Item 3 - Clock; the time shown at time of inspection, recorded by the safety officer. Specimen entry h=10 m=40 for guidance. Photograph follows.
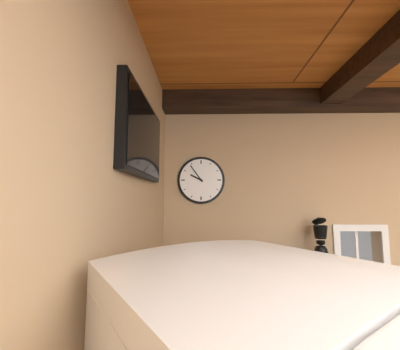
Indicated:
h=9 m=54
